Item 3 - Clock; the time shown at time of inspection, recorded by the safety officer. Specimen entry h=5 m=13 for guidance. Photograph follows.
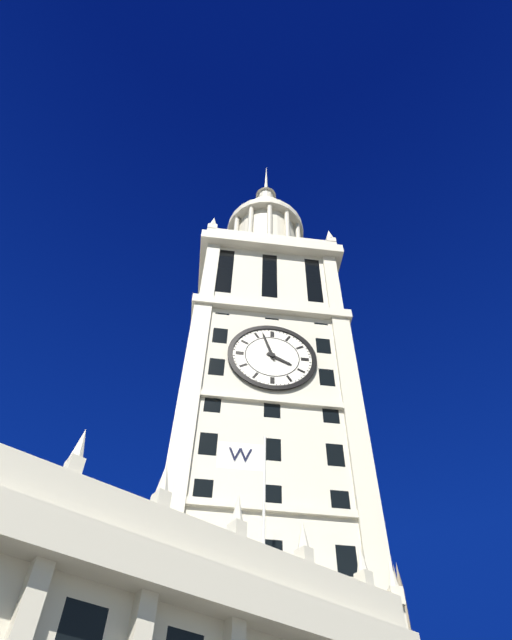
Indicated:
h=3 m=57
